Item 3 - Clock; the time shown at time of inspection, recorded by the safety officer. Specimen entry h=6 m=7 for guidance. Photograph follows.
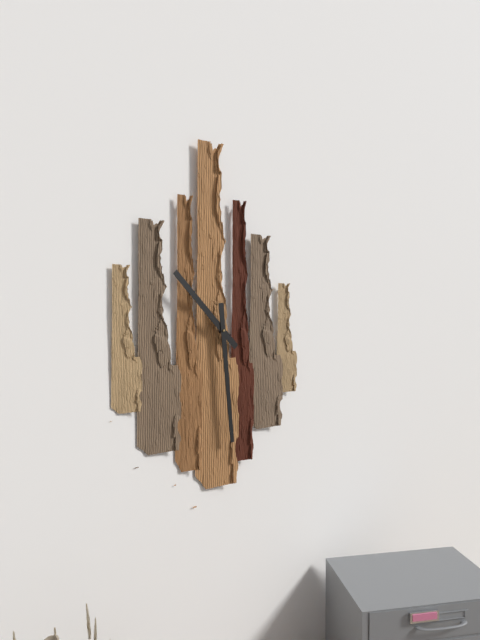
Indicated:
h=10 m=29
